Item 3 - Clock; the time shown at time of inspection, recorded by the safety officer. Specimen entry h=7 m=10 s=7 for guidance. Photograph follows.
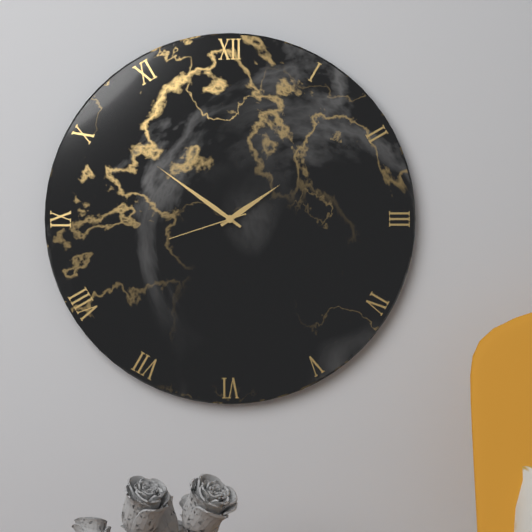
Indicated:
h=1 m=51 s=42
